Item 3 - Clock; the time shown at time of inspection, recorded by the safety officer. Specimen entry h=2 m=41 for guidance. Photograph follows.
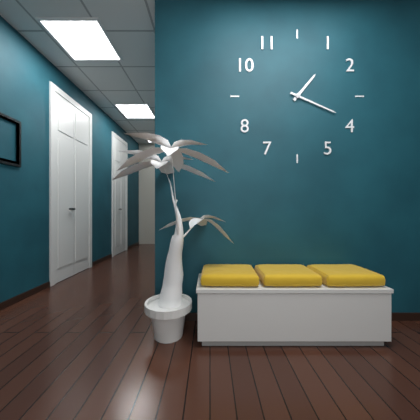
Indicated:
h=1 m=19
